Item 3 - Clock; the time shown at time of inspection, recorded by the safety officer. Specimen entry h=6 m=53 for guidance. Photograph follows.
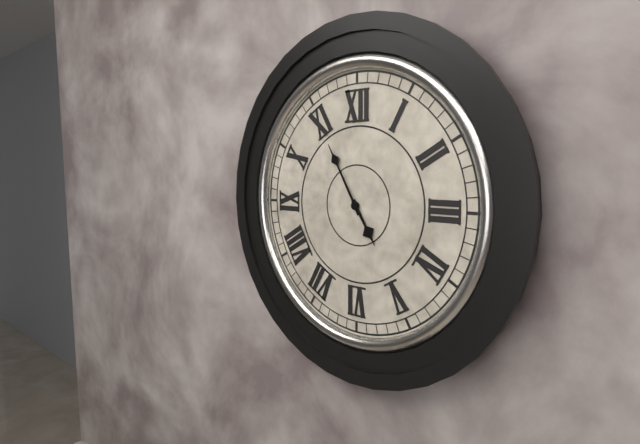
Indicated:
h=4 m=55
